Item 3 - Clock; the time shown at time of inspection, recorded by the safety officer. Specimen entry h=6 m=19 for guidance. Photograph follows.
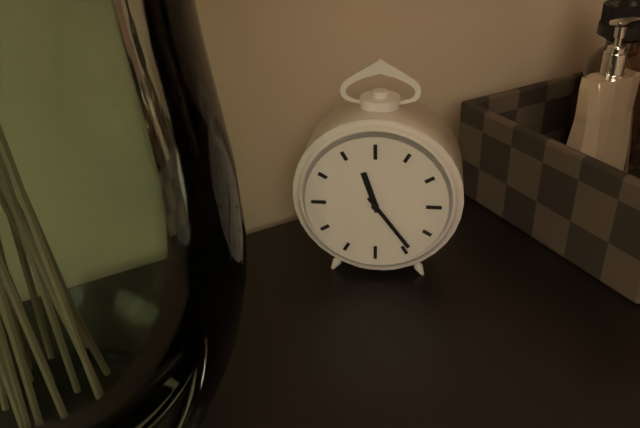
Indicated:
h=11 m=24
